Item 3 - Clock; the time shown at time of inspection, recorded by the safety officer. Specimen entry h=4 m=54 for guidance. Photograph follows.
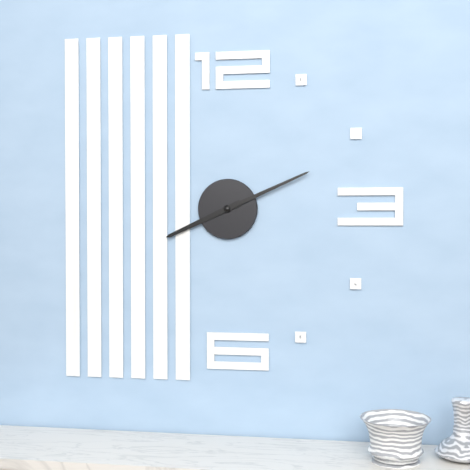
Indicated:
h=8 m=11
